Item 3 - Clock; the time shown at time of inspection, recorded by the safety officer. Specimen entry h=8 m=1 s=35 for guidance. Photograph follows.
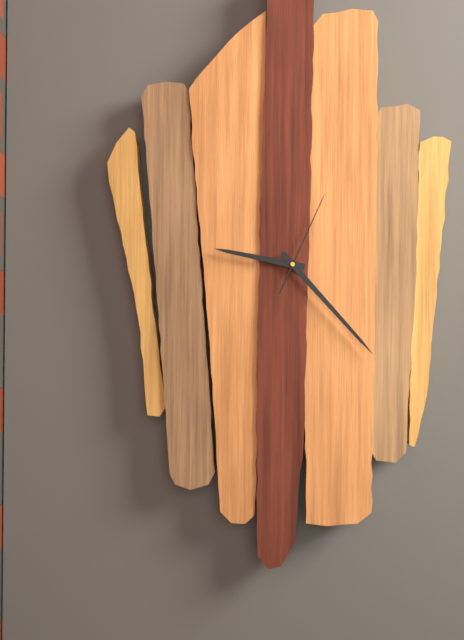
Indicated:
h=9 m=23 s=4
